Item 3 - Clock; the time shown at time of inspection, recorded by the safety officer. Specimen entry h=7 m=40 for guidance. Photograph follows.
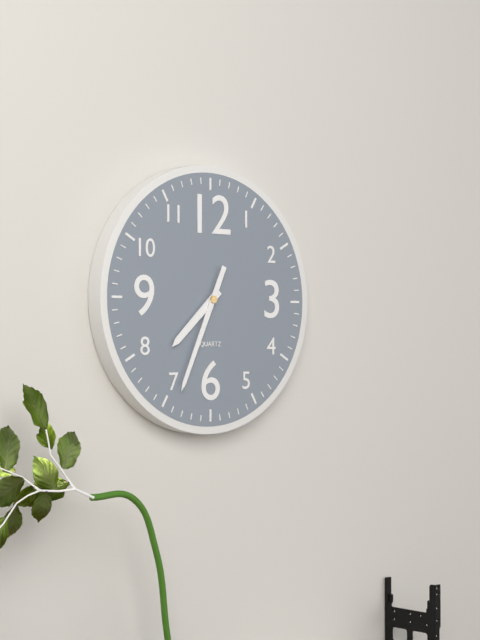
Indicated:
h=7 m=34
